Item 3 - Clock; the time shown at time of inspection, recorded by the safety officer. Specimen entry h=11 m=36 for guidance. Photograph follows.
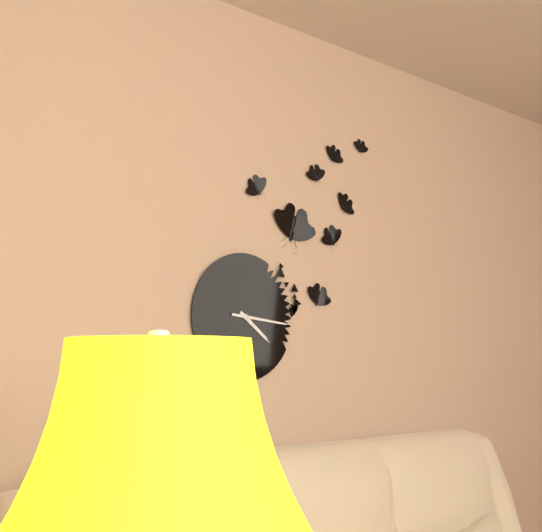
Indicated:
h=4 m=16
